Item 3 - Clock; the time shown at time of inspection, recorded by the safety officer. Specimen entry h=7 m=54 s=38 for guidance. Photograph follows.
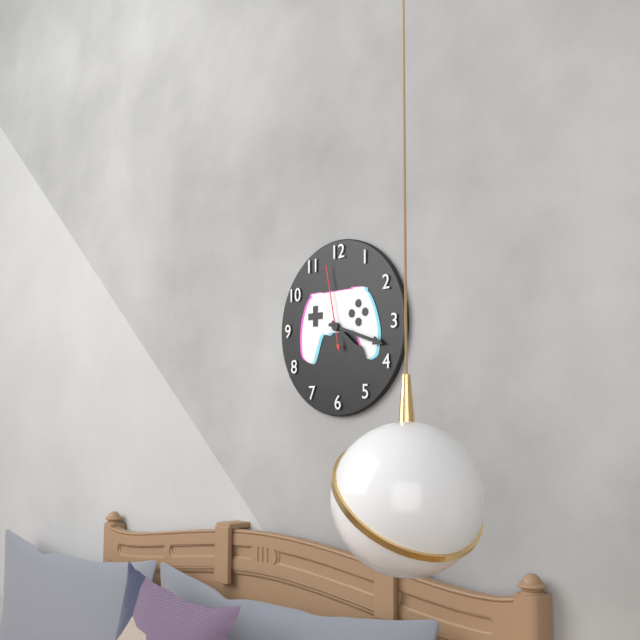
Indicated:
h=4 m=18 s=58
